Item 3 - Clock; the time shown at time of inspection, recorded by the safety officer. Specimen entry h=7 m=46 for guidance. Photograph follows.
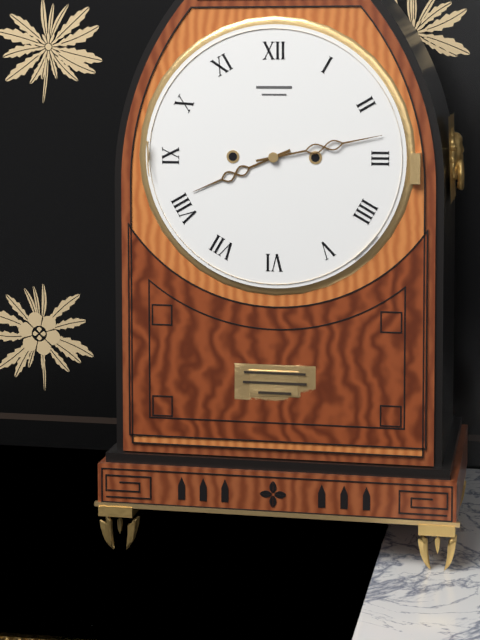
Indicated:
h=8 m=13
